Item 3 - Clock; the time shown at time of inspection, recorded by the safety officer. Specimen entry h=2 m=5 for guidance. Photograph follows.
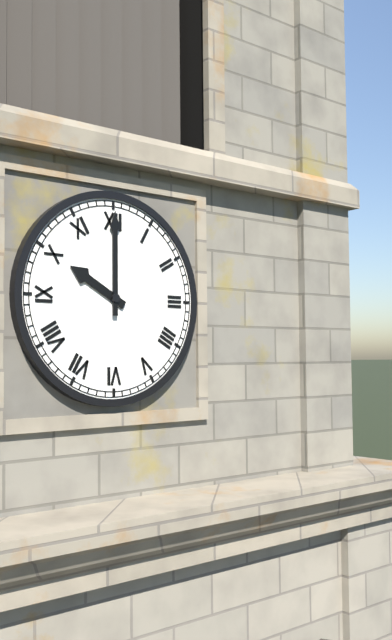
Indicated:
h=10 m=0
